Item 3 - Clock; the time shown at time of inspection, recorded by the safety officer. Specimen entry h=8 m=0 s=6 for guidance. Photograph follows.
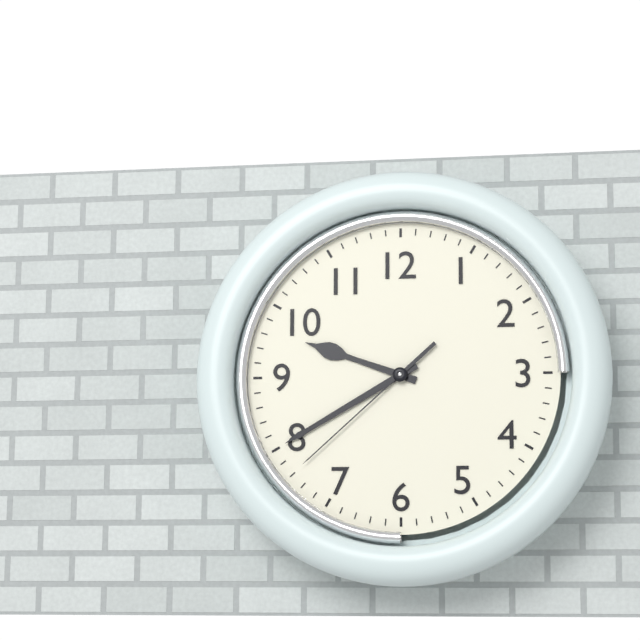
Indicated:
h=9 m=40 s=38
